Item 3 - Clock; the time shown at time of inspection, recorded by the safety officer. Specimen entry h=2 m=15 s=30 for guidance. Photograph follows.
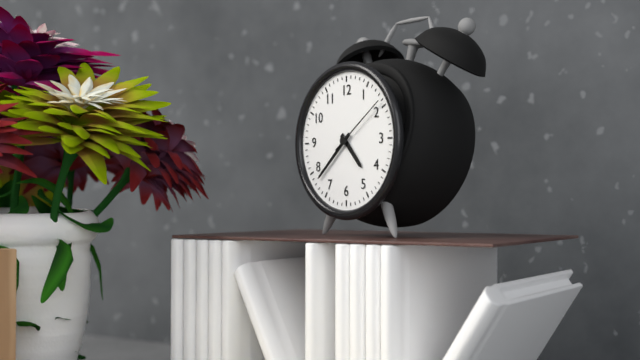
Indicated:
h=4 m=38 s=9
